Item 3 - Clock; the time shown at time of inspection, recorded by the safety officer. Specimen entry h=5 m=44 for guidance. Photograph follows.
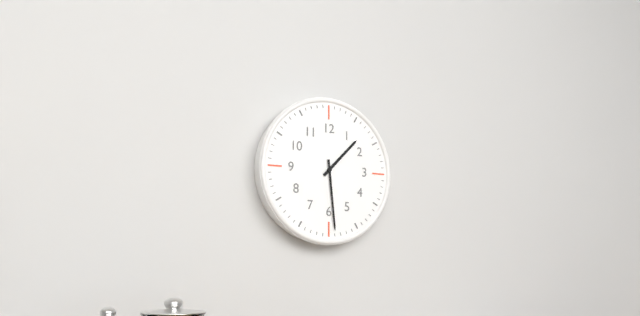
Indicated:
h=1 m=29
